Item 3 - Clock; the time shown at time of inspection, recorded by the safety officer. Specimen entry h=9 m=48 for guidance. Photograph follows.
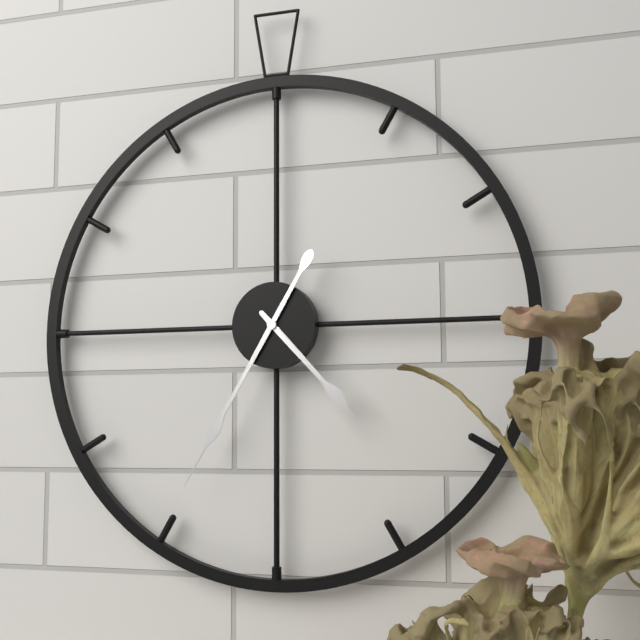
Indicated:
h=4 m=35
